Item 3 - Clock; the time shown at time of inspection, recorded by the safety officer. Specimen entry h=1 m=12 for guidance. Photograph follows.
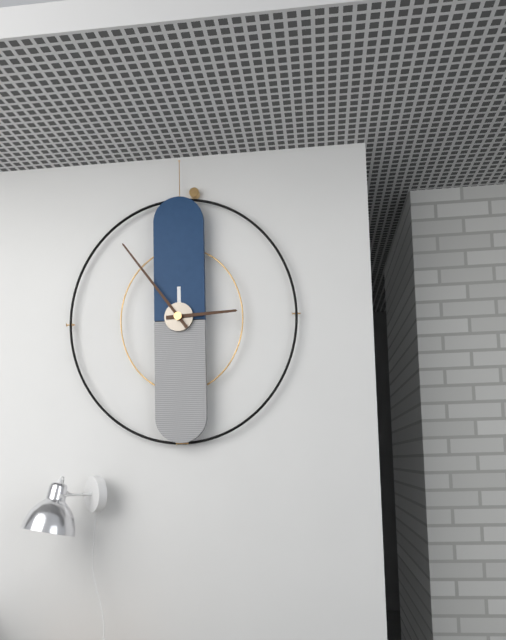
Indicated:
h=2 m=54
